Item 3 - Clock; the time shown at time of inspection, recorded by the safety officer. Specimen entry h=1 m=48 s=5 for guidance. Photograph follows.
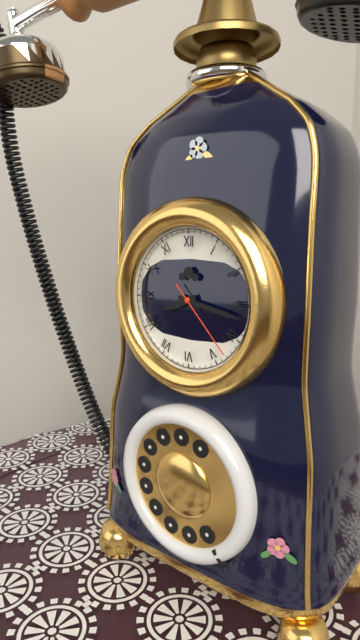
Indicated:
h=8 m=17 s=23
